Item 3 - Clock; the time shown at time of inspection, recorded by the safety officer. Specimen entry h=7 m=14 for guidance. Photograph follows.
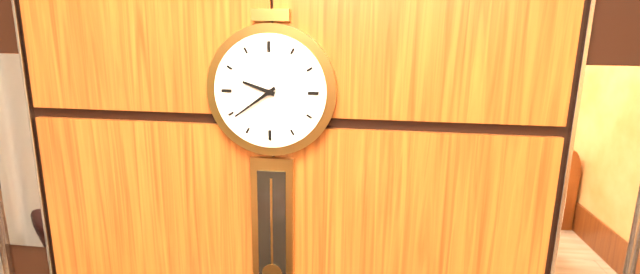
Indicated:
h=9 m=39
